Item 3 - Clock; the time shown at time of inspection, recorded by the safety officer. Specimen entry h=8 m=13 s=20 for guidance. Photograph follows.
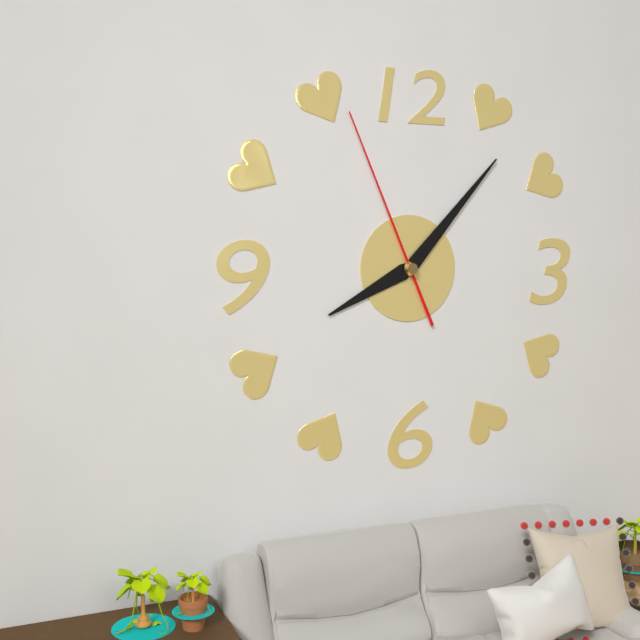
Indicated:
h=8 m=7 s=56
